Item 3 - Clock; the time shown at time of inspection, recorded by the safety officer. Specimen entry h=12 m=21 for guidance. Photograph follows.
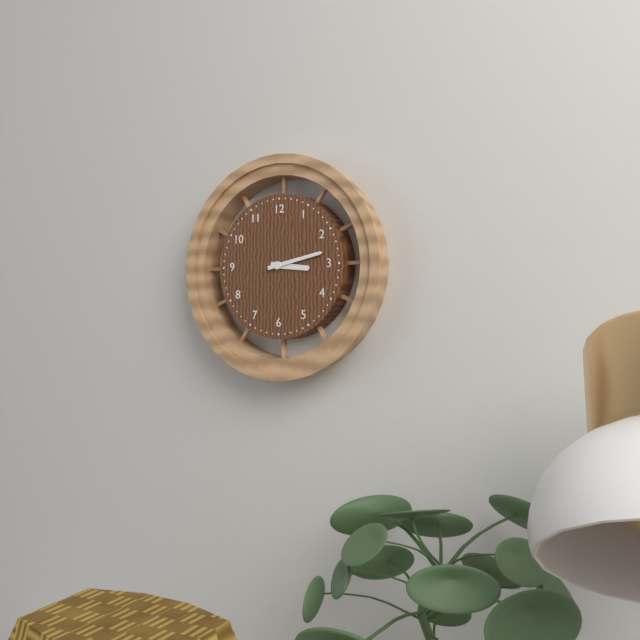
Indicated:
h=3 m=13
